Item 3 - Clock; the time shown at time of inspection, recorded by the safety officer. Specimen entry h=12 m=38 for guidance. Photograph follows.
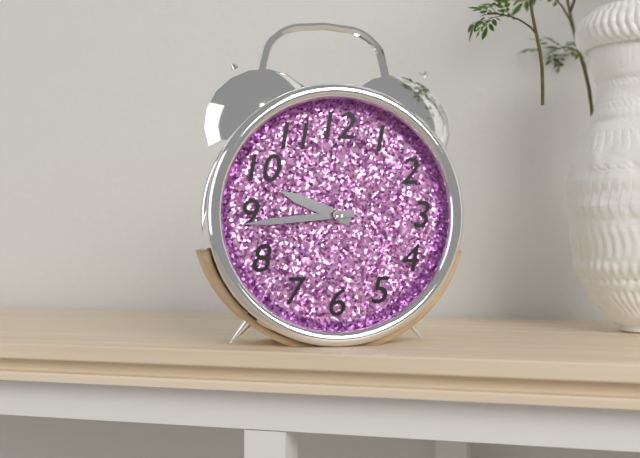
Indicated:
h=9 m=44
